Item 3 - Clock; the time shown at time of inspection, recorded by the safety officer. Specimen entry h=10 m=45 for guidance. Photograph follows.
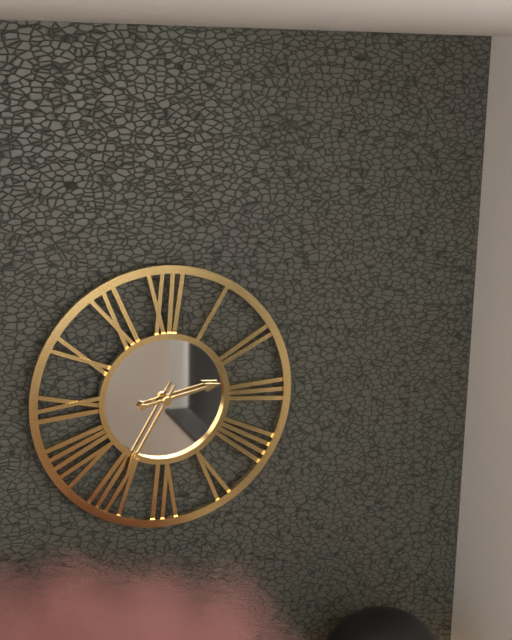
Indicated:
h=2 m=35
